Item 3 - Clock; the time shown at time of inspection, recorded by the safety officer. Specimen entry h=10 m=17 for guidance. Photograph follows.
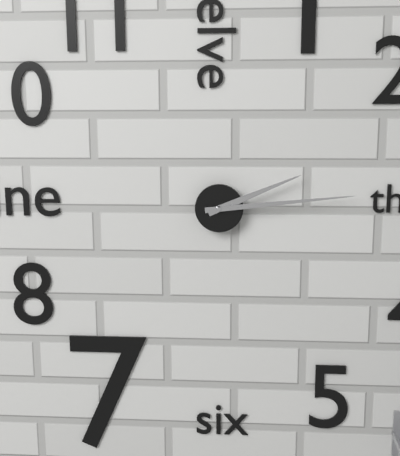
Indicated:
h=2 m=14
